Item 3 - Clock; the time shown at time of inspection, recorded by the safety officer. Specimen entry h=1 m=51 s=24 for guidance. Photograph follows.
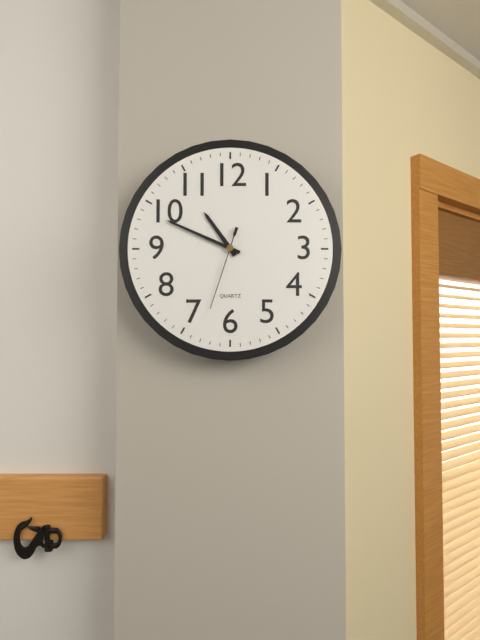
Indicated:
h=10 m=49 s=33
